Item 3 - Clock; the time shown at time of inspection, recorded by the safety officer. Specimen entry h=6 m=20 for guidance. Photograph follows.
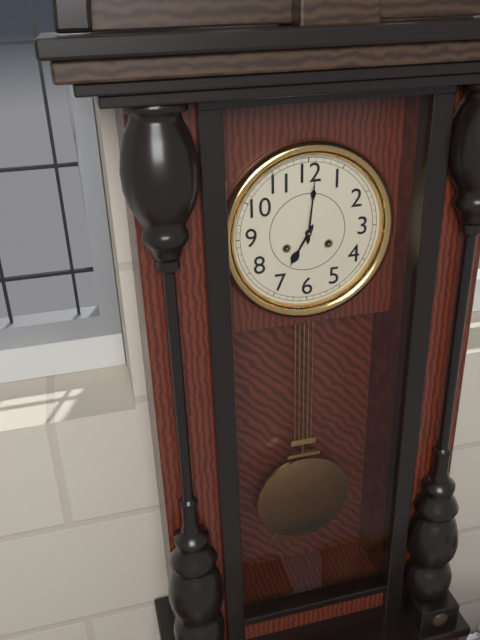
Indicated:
h=7 m=1
